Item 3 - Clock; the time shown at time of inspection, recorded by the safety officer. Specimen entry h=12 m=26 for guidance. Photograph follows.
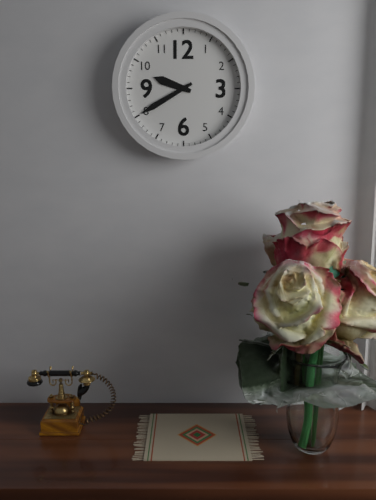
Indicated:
h=9 m=40
